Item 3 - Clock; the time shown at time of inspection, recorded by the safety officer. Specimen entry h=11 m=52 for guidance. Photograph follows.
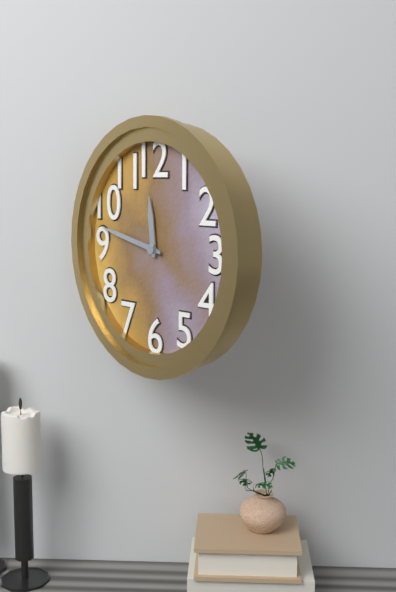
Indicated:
h=11 m=47
